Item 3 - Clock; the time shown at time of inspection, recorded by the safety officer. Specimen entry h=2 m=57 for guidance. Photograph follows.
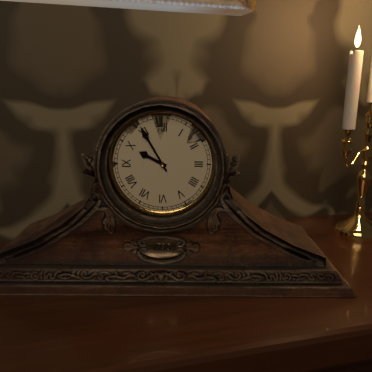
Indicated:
h=9 m=55
